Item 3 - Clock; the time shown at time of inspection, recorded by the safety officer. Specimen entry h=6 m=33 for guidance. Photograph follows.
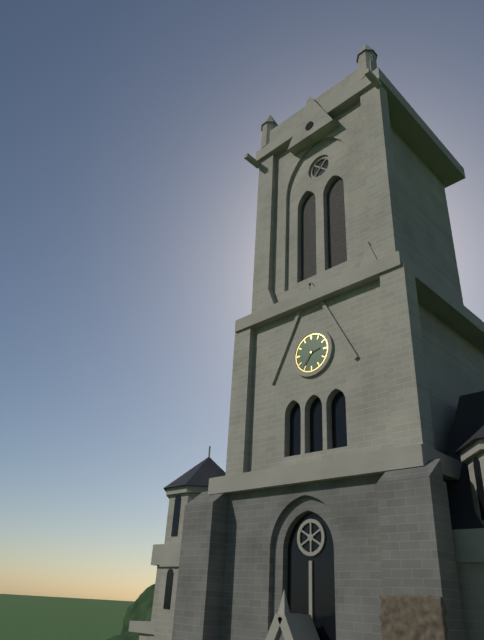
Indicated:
h=2 m=36
